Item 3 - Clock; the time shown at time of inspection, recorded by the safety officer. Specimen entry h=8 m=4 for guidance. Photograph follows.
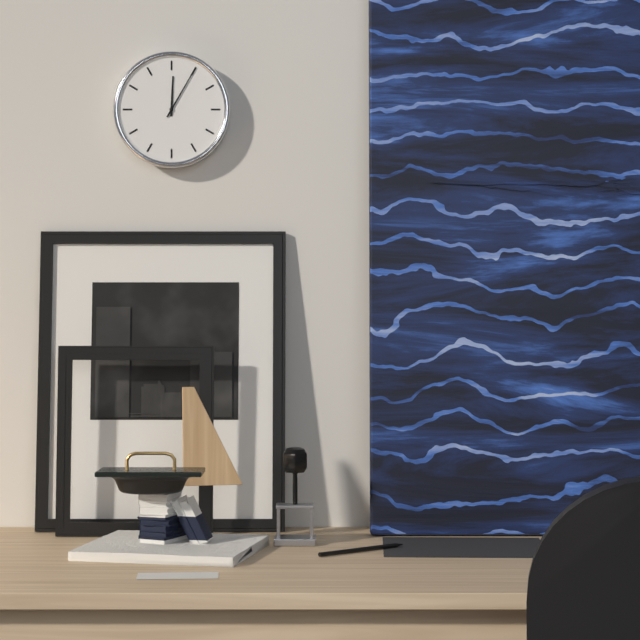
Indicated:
h=12 m=5
